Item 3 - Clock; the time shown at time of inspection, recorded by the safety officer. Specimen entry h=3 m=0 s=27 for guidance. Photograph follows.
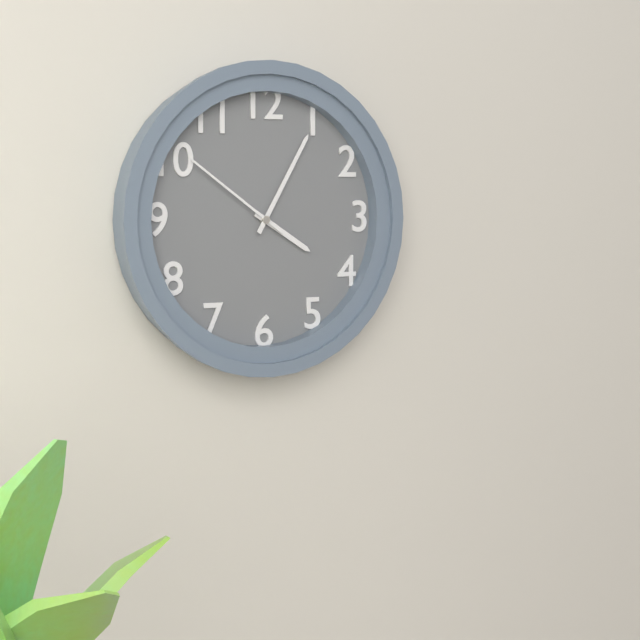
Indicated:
h=4 m=5 s=51
